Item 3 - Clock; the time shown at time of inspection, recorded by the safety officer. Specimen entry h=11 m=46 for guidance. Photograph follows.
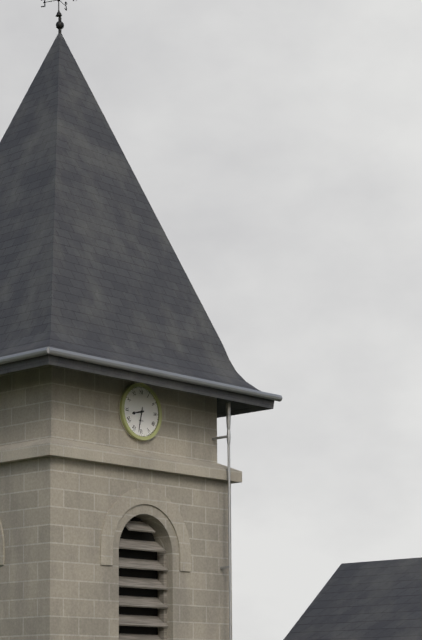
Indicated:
h=8 m=32
